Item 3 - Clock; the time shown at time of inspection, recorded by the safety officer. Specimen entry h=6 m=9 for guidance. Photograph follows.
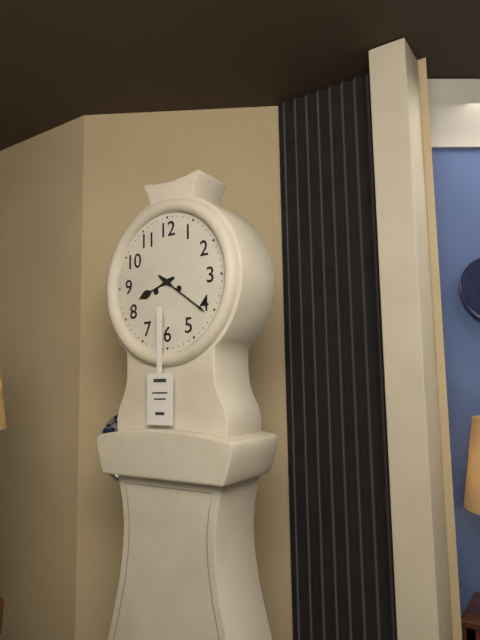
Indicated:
h=8 m=21
